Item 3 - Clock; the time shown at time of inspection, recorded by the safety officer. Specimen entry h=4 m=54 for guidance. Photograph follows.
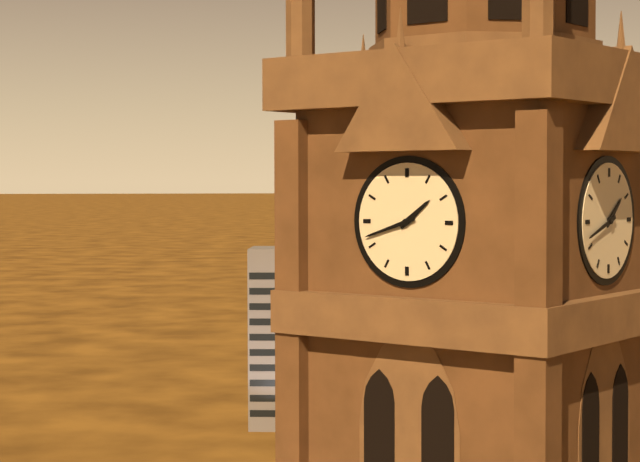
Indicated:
h=1 m=42
